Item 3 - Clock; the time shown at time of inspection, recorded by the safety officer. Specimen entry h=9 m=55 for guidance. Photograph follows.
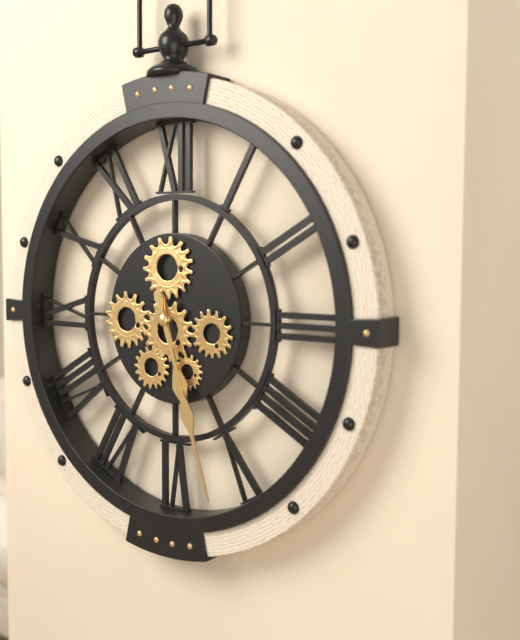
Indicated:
h=5 m=27
